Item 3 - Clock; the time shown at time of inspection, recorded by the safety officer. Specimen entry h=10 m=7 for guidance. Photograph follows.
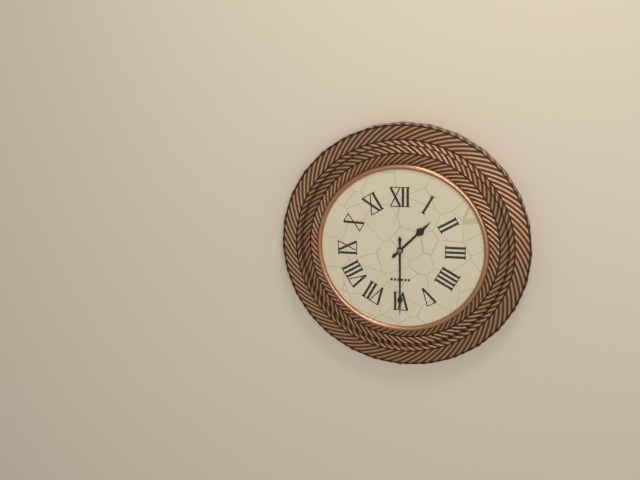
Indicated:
h=1 m=30
